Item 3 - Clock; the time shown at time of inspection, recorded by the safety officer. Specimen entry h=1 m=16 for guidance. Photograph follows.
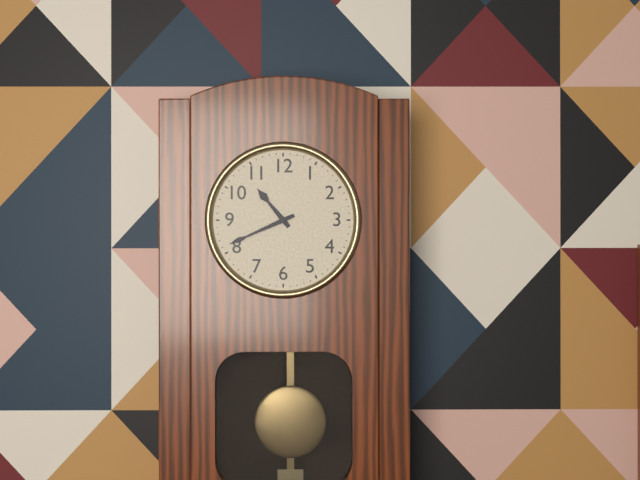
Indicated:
h=10 m=41
